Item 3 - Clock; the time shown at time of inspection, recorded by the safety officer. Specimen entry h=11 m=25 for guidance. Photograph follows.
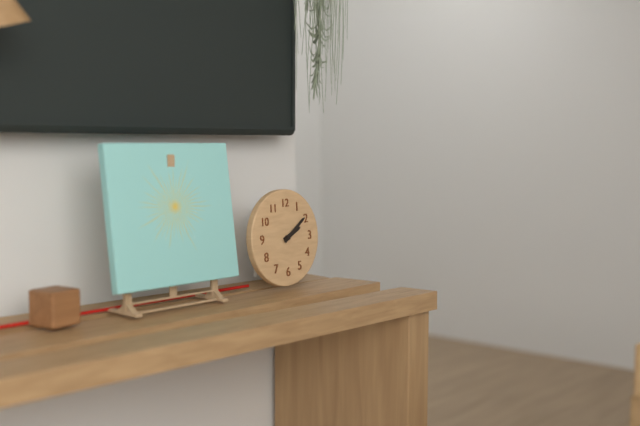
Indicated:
h=2 m=9
